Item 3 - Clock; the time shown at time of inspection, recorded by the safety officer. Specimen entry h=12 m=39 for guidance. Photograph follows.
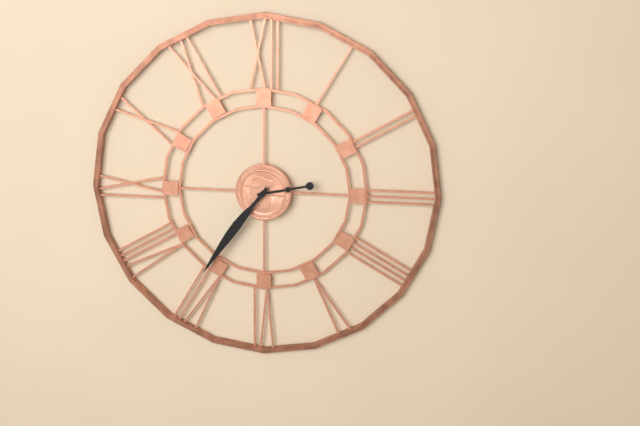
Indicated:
h=2 m=36
